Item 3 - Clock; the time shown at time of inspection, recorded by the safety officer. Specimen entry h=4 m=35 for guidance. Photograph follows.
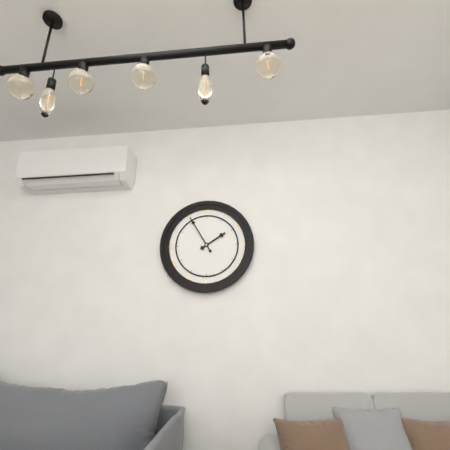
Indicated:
h=1 m=55
